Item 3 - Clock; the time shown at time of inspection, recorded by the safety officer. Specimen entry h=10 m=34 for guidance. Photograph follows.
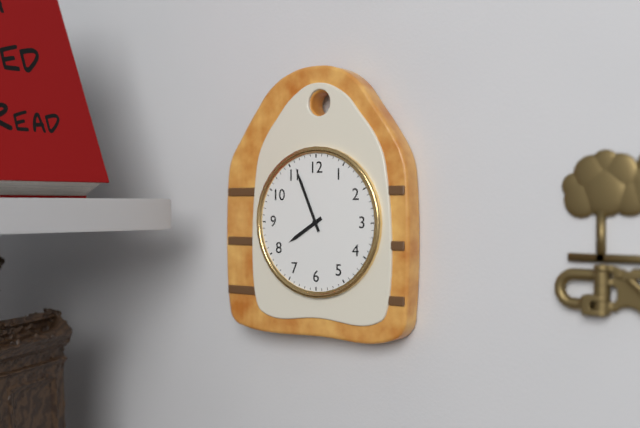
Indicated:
h=7 m=56
